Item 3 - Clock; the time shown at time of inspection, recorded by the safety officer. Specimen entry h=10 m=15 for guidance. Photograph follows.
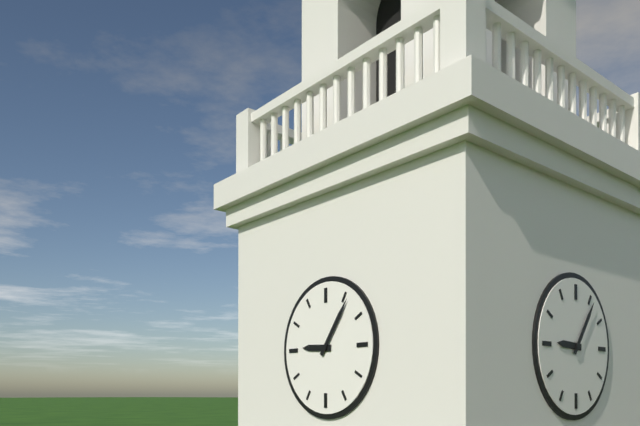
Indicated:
h=9 m=6
